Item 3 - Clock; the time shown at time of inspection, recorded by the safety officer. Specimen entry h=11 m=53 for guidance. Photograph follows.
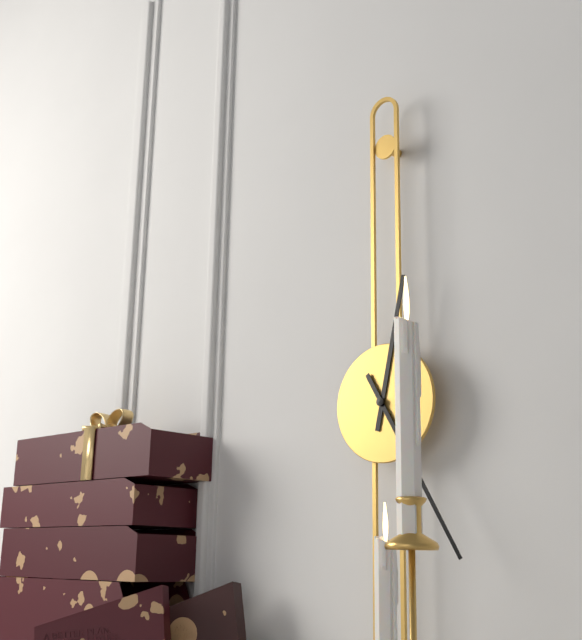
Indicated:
h=12 m=25
